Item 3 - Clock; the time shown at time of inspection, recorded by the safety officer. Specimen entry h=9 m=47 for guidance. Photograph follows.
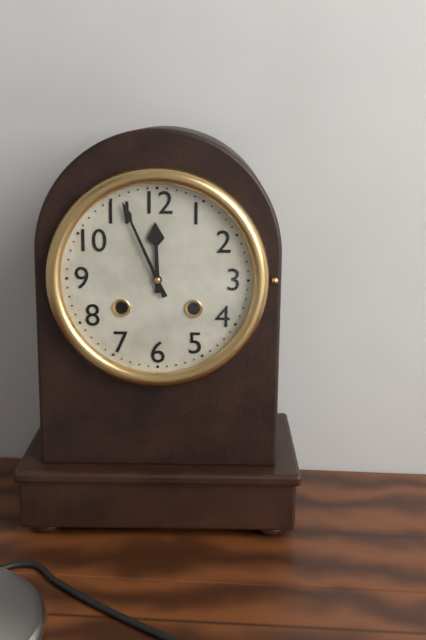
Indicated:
h=11 m=56
